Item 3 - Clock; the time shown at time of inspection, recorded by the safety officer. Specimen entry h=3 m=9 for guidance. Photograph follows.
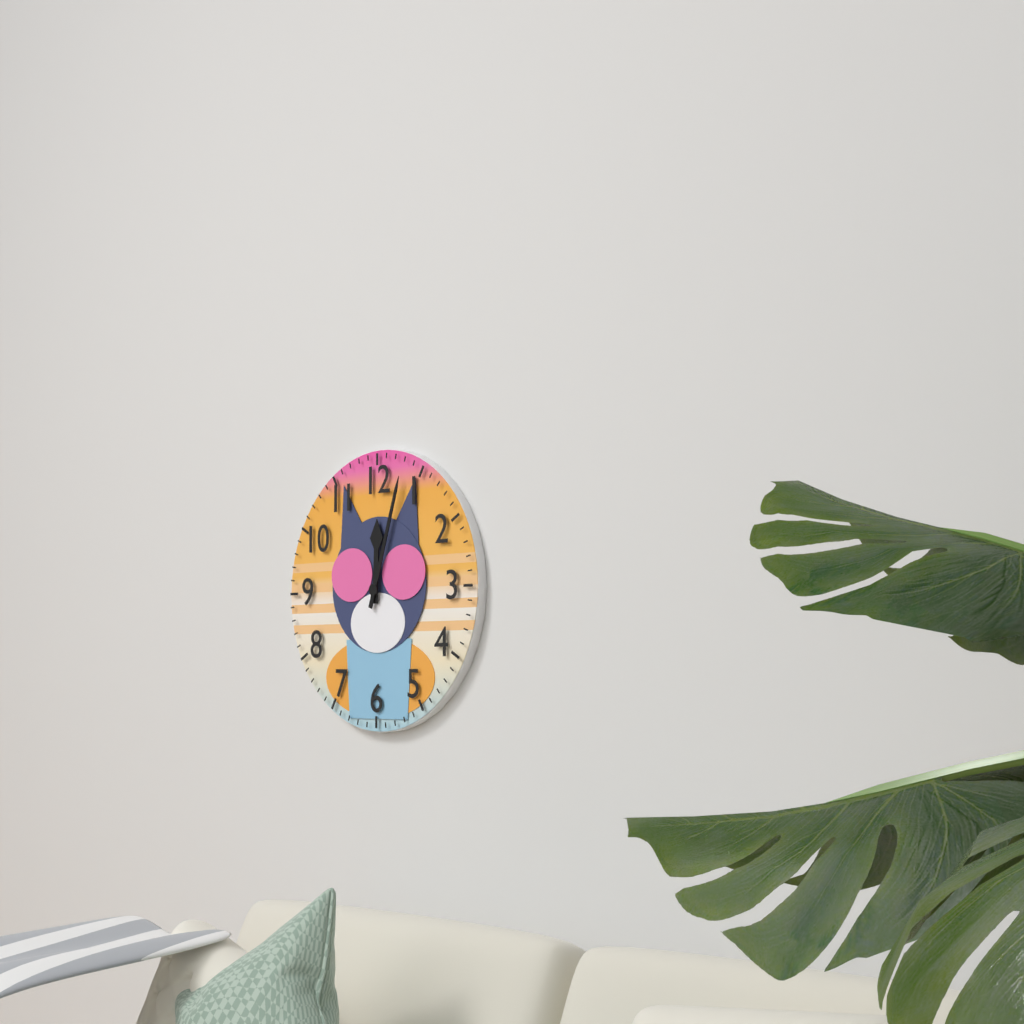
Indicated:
h=12 m=3
